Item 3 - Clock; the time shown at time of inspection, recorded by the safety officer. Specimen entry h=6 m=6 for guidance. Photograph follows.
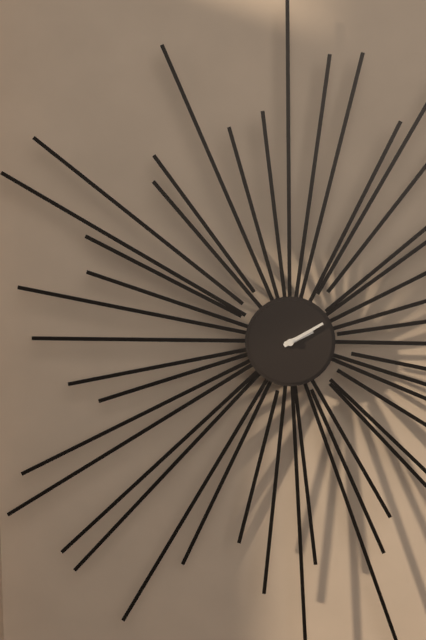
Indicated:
h=2 m=10
